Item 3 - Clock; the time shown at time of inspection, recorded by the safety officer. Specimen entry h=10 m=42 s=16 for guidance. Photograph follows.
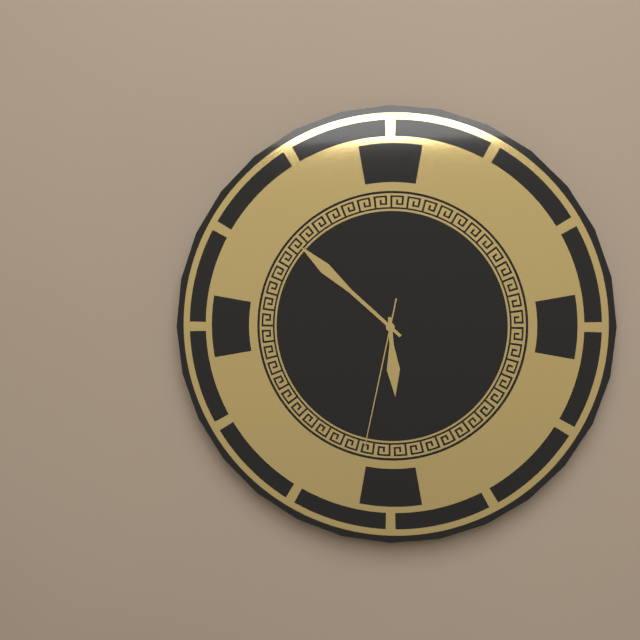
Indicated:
h=5 m=52 s=32
